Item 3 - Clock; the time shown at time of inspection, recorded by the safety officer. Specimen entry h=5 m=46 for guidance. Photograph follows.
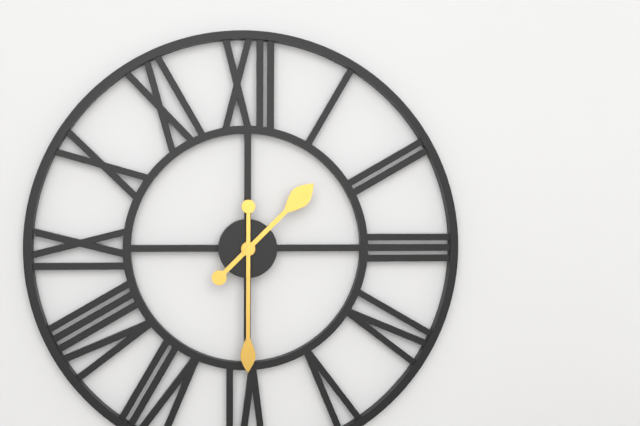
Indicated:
h=1 m=30
